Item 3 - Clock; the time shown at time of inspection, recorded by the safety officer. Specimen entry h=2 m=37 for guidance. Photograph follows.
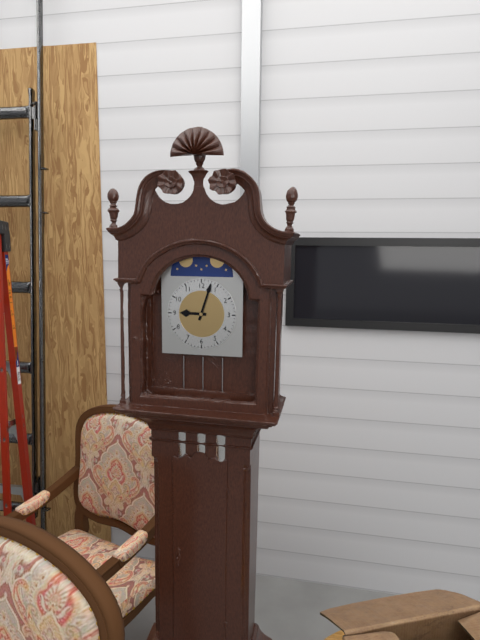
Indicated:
h=9 m=3
